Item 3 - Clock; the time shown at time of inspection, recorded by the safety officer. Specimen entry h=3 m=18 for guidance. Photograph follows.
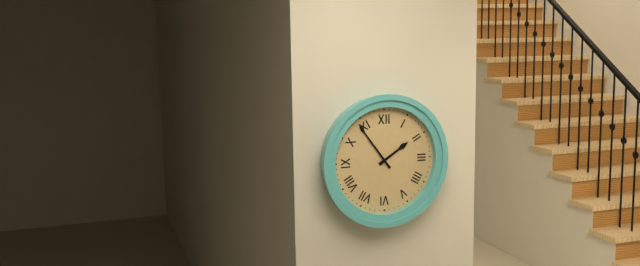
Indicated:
h=1 m=54
